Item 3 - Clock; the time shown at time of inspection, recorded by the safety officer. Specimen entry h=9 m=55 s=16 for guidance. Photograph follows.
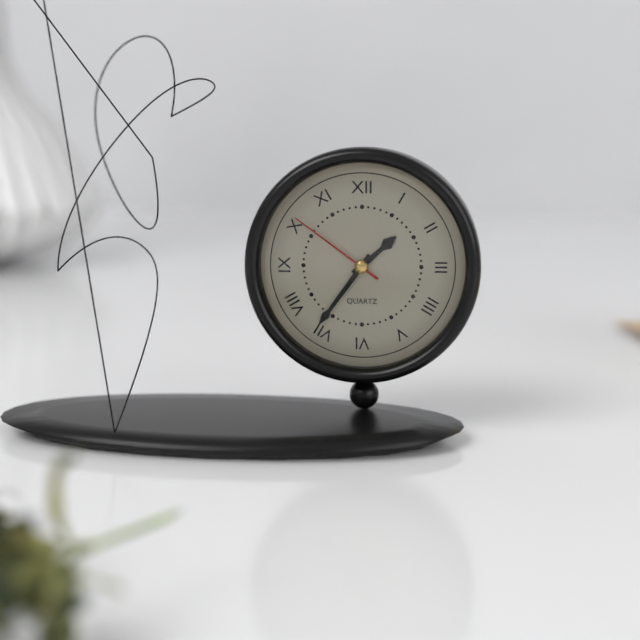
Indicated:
h=1 m=36 s=51
